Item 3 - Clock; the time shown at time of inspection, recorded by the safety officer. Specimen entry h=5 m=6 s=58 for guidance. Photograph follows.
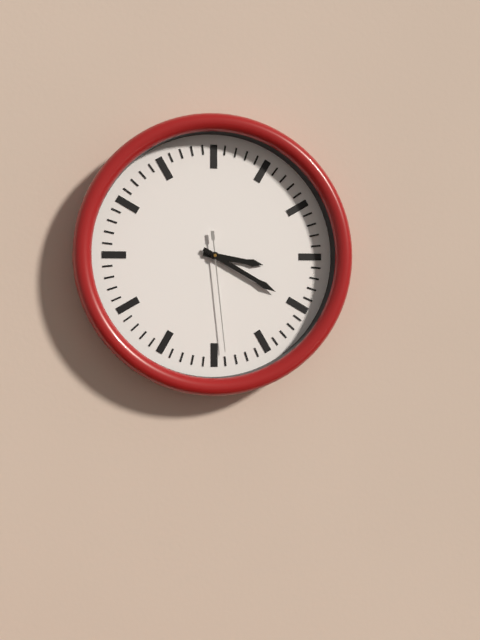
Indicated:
h=3 m=20 s=29
